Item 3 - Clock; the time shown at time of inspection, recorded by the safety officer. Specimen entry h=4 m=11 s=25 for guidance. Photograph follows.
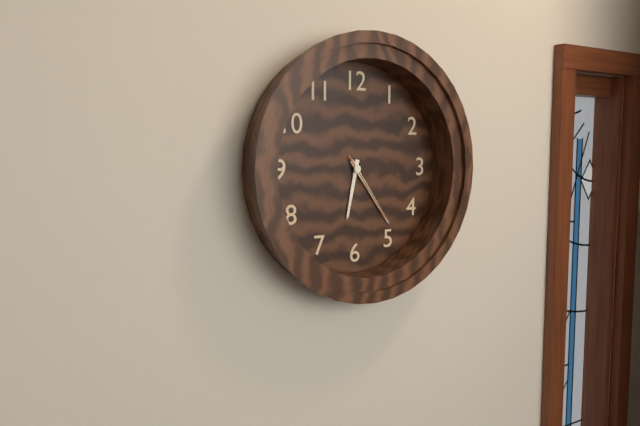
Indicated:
h=6 m=24 s=24
